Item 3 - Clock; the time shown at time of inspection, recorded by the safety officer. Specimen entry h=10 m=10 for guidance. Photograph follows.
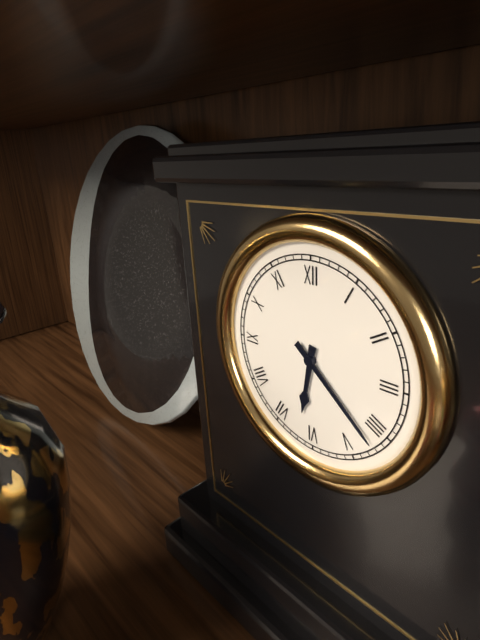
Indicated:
h=6 m=22
